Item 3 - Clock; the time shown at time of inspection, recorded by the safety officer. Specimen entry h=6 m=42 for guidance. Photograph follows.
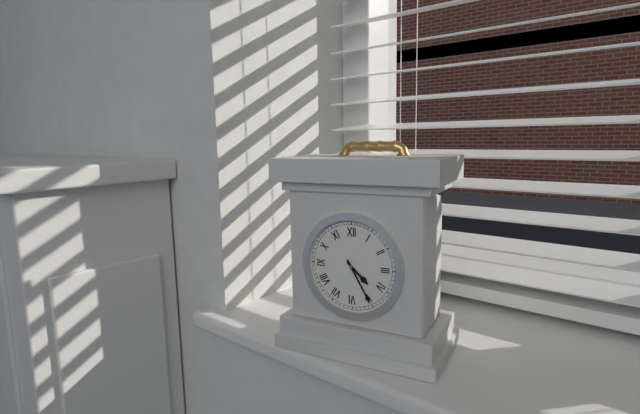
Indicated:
h=4 m=25
